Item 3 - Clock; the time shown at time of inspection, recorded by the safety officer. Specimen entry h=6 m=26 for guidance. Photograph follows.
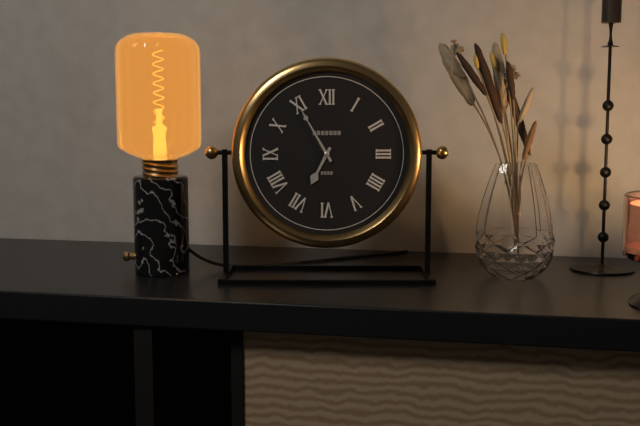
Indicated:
h=6 m=55
